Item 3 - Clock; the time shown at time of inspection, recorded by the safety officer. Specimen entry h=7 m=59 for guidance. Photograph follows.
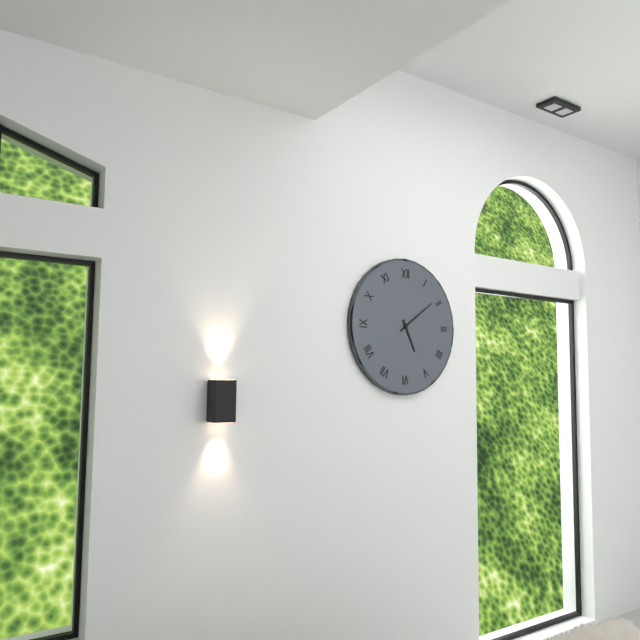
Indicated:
h=5 m=9
